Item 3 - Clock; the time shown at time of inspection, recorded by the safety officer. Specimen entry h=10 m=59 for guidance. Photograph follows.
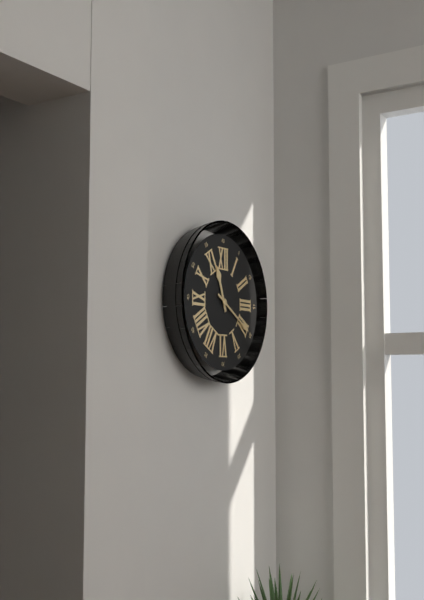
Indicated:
h=11 m=20
